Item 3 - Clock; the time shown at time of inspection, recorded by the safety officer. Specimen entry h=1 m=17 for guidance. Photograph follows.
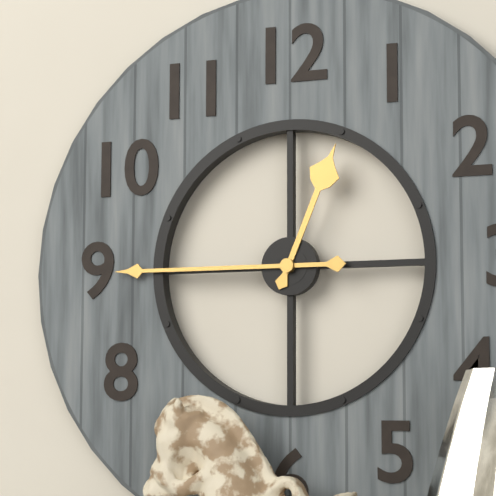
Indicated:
h=12 m=45
